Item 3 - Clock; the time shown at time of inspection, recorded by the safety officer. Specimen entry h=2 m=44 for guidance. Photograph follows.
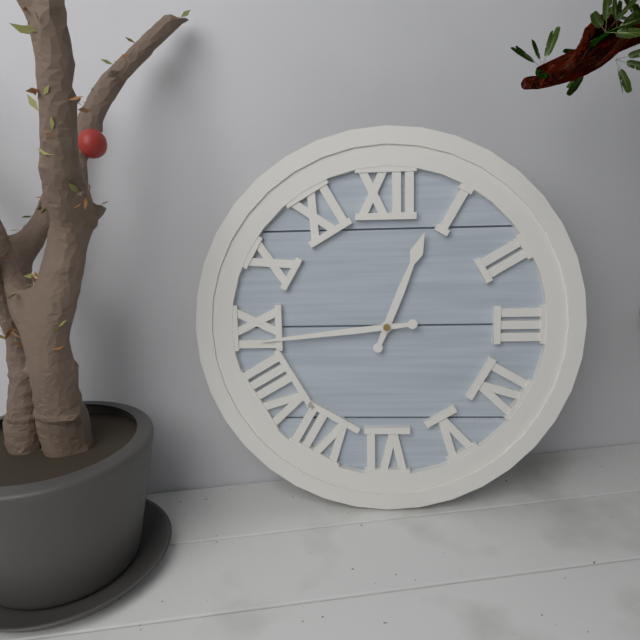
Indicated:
h=12 m=44
